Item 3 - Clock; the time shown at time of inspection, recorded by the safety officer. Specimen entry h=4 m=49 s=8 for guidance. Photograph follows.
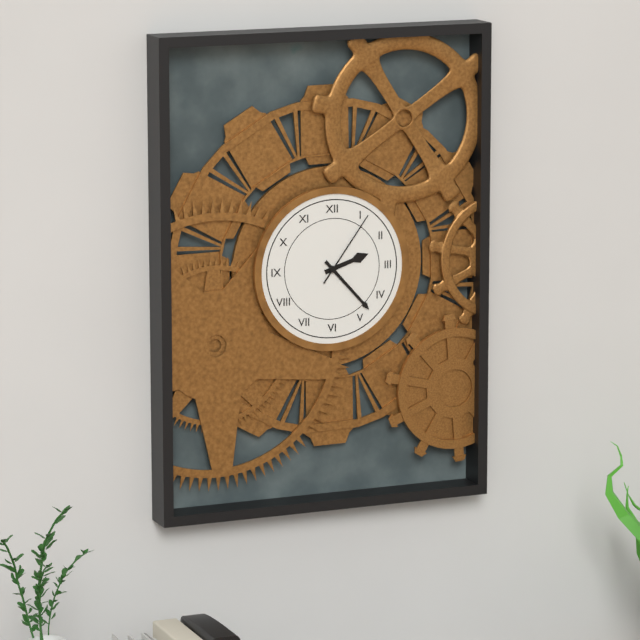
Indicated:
h=2 m=23 s=6
